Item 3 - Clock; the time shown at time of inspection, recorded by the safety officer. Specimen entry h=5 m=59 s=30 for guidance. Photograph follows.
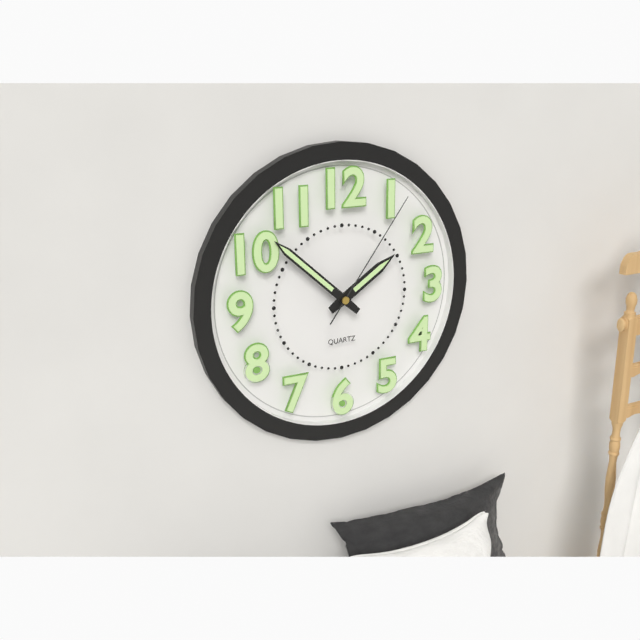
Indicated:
h=1 m=52 s=6
